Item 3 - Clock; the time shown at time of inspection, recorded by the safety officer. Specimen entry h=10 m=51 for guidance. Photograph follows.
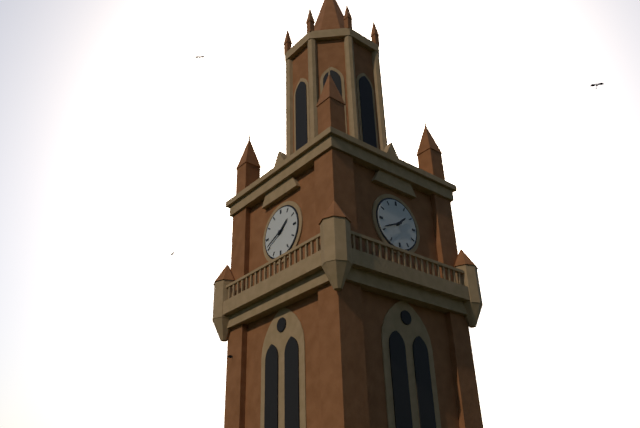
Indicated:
h=1 m=41
